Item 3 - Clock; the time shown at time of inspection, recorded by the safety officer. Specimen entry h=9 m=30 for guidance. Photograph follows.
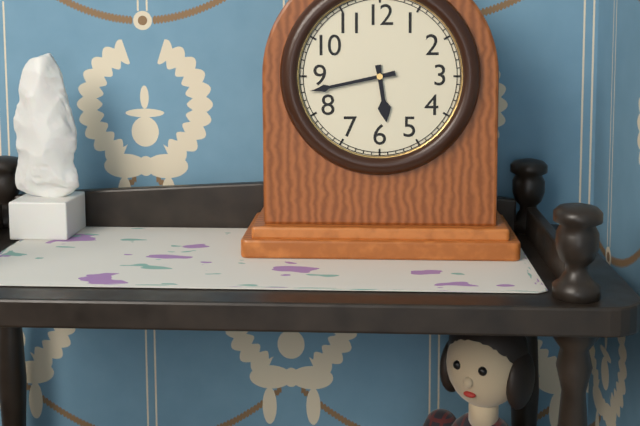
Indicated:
h=5 m=43
